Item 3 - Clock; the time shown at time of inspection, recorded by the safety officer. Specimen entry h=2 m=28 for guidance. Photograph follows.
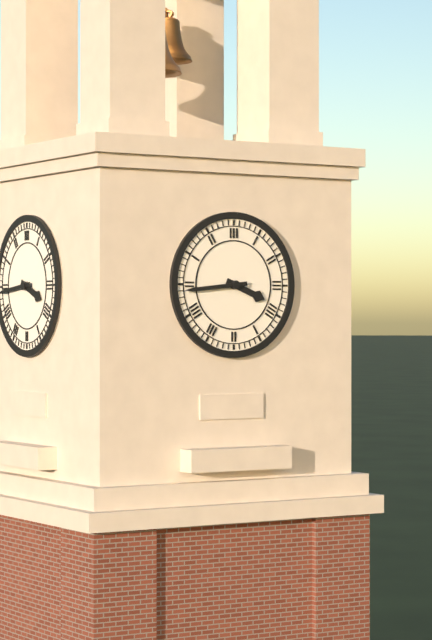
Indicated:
h=3 m=44
